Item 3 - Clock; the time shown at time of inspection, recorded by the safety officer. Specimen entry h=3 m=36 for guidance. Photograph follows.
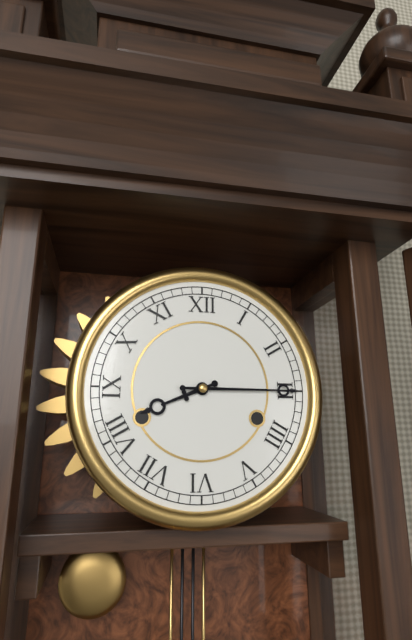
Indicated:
h=8 m=15
